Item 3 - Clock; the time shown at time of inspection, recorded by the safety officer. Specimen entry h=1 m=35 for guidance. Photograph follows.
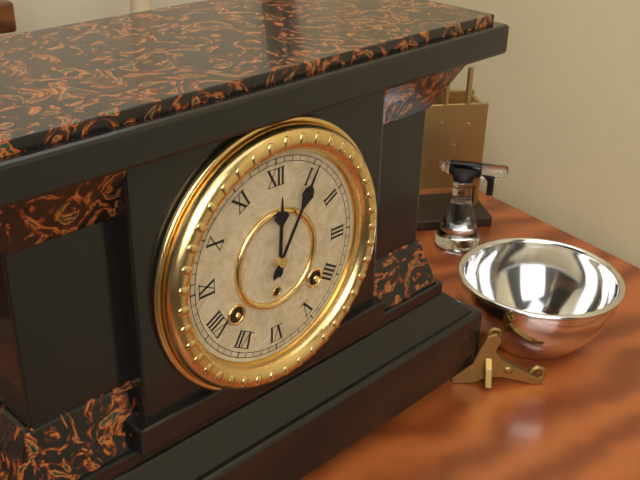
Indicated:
h=12 m=5
